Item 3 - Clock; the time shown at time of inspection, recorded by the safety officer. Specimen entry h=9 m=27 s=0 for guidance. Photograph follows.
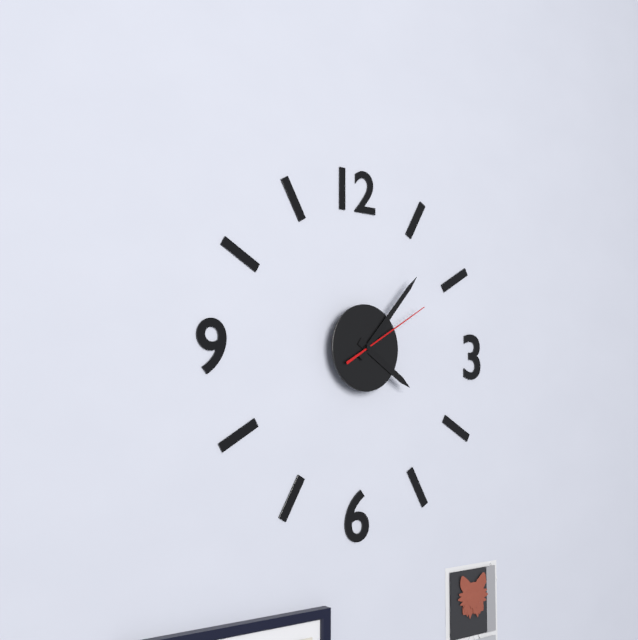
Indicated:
h=4 m=7 s=10
